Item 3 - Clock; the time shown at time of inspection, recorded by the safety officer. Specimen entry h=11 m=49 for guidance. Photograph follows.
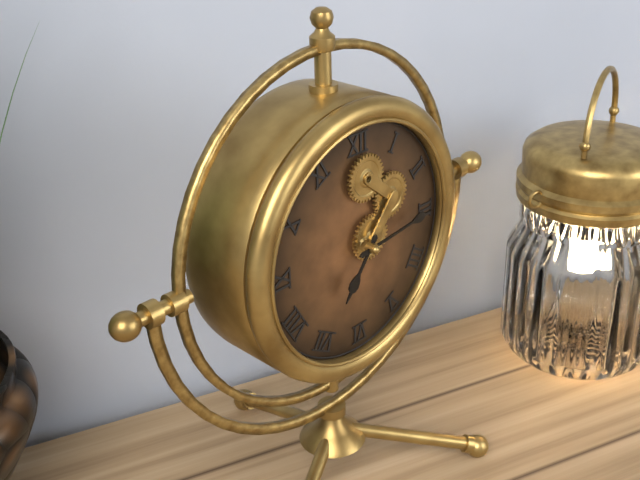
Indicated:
h=7 m=14
